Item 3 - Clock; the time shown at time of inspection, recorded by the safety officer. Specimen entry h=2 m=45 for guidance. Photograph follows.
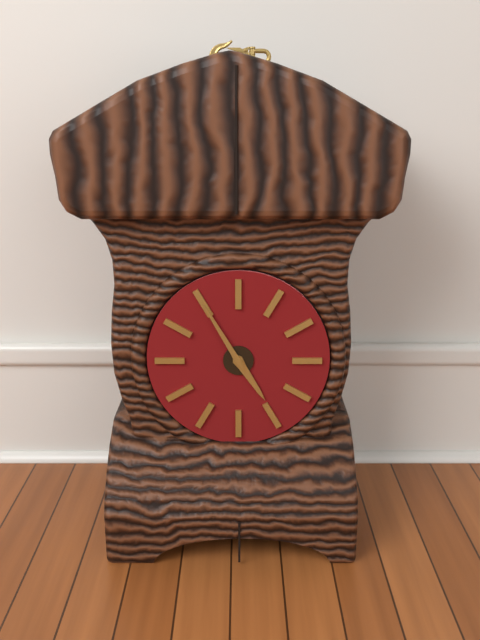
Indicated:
h=4 m=55
